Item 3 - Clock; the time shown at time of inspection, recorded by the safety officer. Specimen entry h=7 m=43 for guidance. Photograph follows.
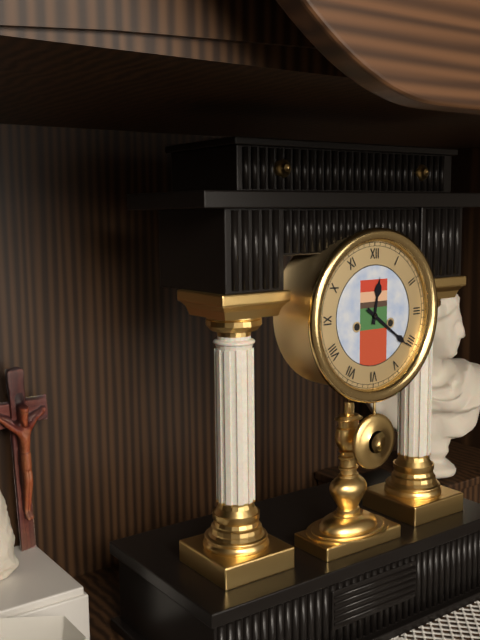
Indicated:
h=12 m=21
